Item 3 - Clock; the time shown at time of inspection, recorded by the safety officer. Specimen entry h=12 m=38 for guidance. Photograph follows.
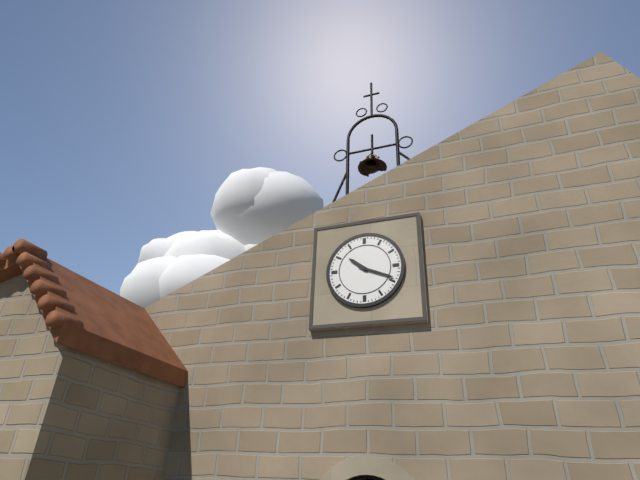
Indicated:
h=10 m=19
